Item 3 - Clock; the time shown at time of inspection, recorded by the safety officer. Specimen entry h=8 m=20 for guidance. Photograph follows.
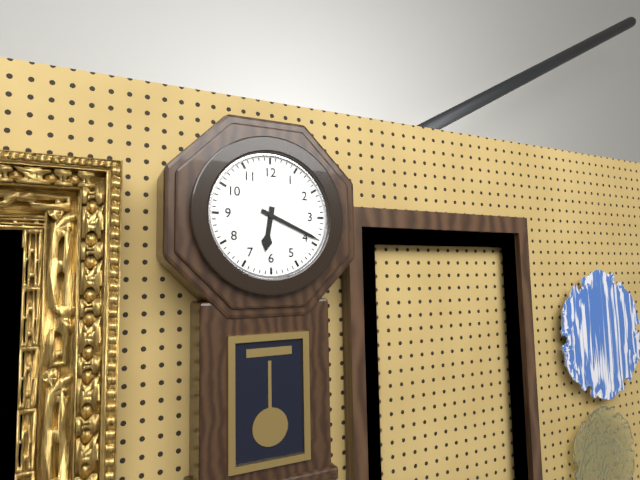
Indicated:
h=6 m=19
